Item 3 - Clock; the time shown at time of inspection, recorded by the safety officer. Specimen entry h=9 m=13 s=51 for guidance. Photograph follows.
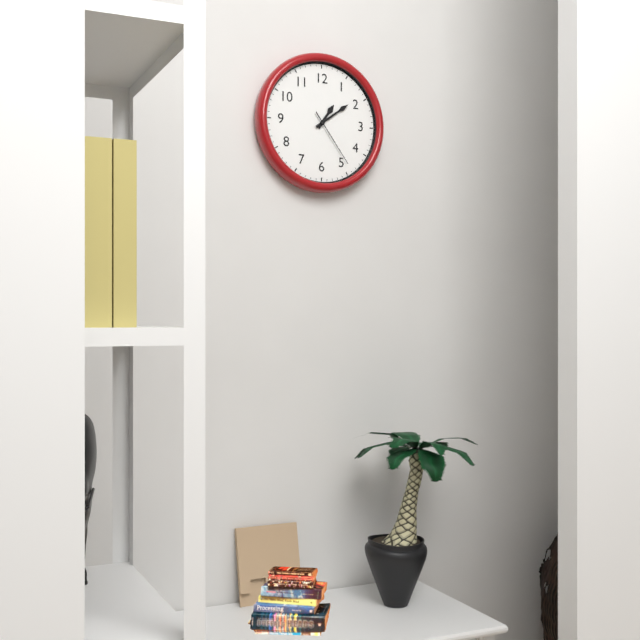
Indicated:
h=1 m=9 s=24
